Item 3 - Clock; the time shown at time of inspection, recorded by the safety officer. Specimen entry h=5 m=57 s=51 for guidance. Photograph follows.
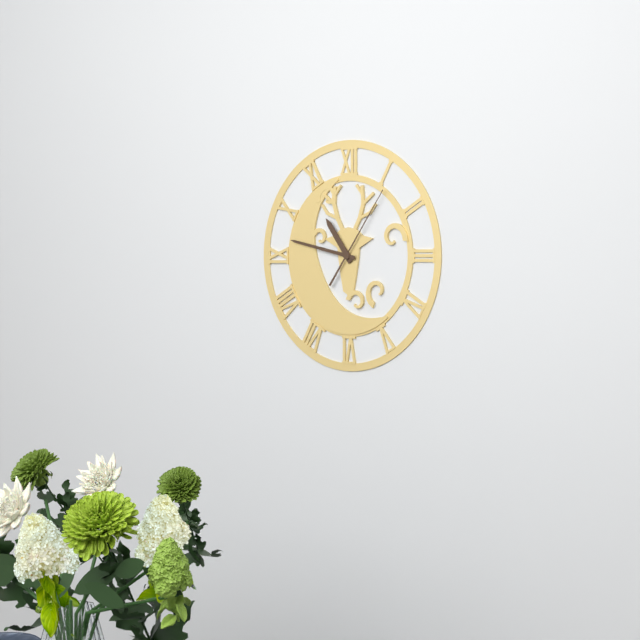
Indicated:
h=10 m=47 s=6
